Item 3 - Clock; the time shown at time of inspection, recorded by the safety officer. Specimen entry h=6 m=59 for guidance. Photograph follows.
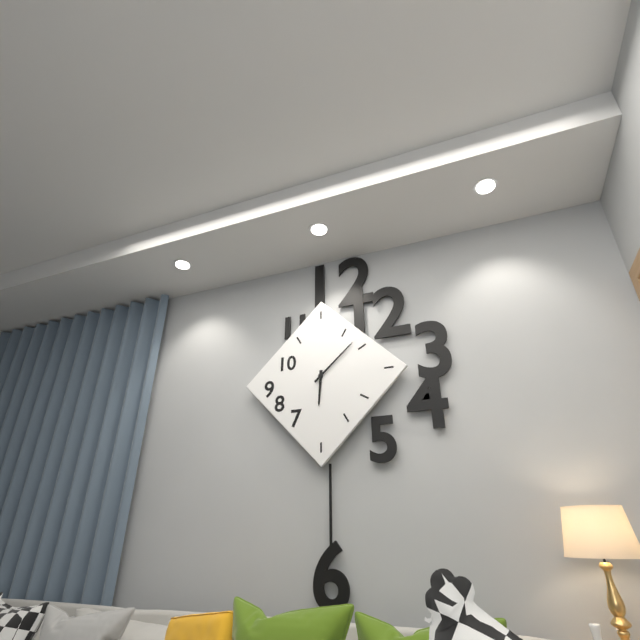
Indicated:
h=6 m=8
